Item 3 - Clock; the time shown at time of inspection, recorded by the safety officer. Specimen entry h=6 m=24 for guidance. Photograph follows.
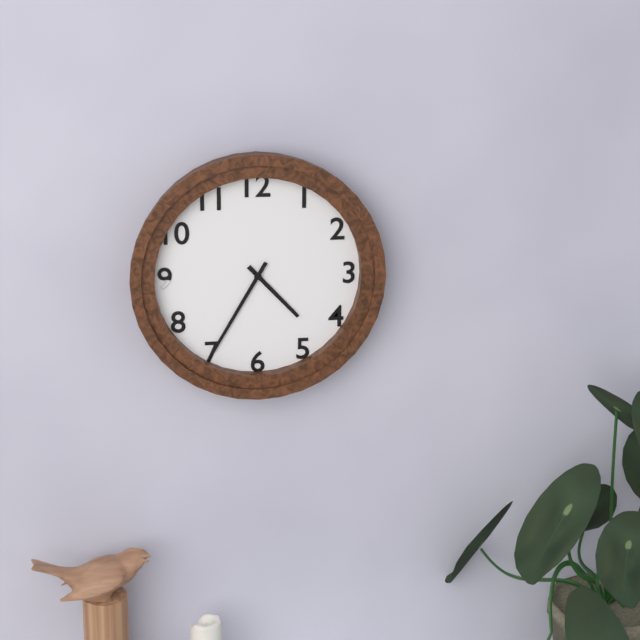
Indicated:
h=4 m=35
